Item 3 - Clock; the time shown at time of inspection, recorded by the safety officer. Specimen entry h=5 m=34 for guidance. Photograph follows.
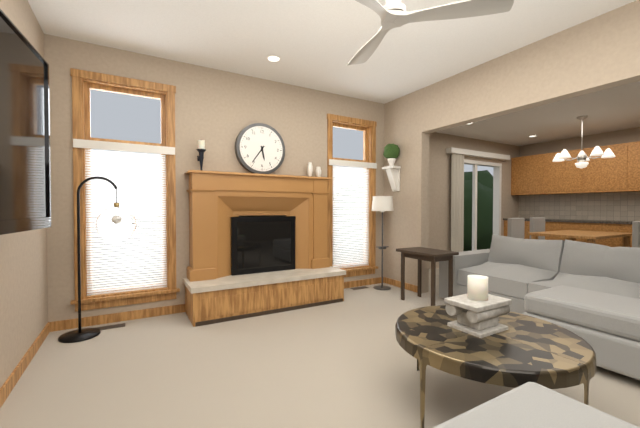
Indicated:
h=5 m=36
